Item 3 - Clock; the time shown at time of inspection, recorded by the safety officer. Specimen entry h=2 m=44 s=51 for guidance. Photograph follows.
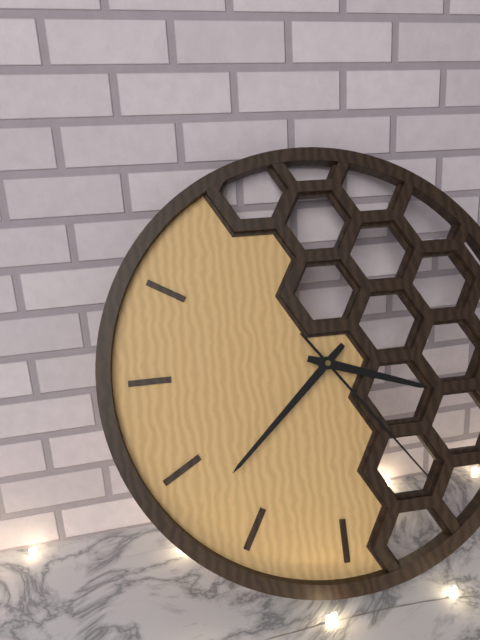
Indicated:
h=3 m=38 s=24
